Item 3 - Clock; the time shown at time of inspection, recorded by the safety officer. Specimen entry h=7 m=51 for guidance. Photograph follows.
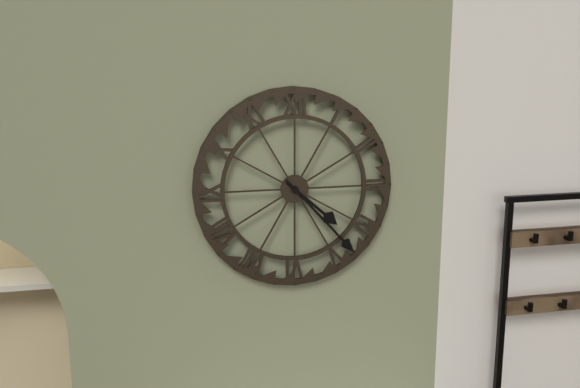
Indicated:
h=4 m=23
